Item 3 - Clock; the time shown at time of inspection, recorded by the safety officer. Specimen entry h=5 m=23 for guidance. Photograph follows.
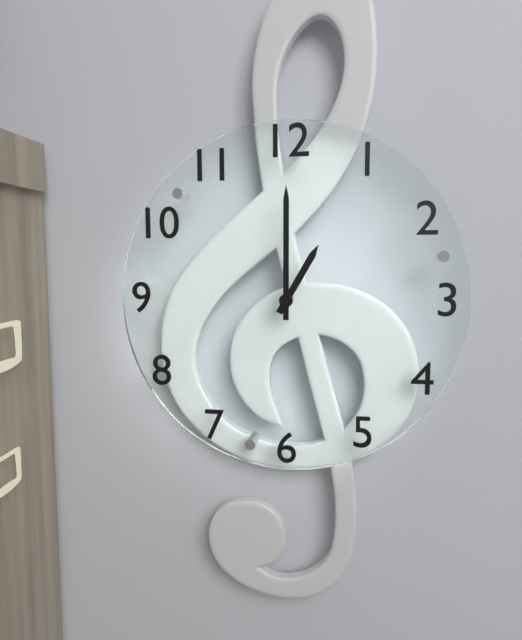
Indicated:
h=1 m=0
